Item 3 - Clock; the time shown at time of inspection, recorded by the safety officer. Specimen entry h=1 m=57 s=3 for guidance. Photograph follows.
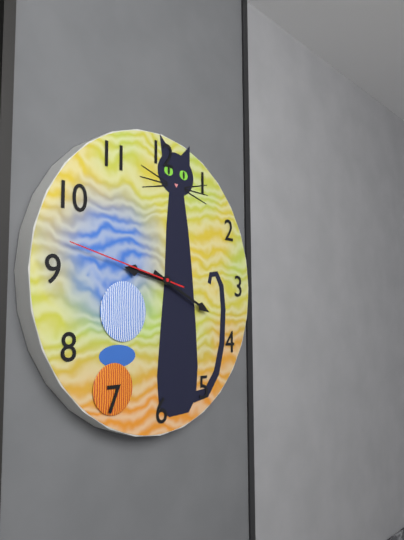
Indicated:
h=9 m=19 s=47
